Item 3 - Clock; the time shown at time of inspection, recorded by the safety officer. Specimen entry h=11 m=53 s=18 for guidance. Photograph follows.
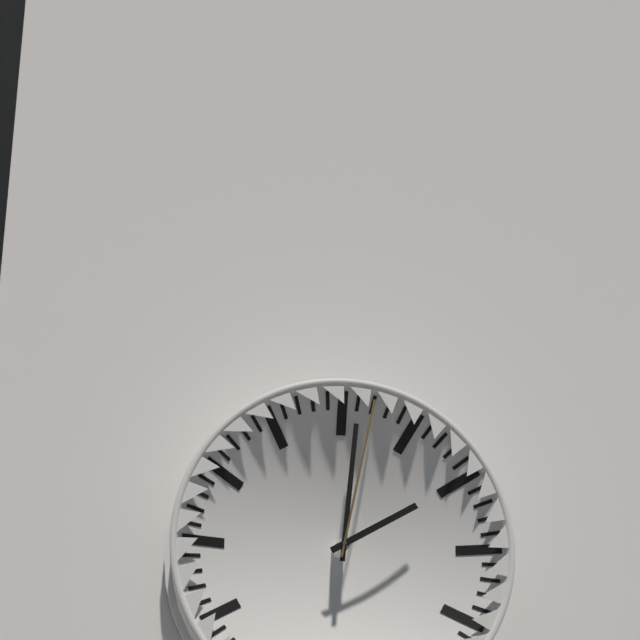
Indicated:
h=2 m=1 s=2
